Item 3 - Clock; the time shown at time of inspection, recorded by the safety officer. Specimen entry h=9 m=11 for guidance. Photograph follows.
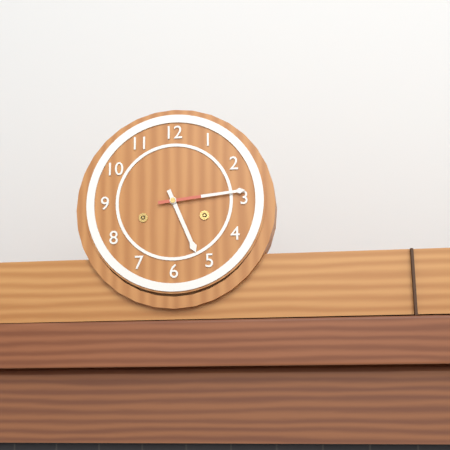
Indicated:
h=5 m=14
